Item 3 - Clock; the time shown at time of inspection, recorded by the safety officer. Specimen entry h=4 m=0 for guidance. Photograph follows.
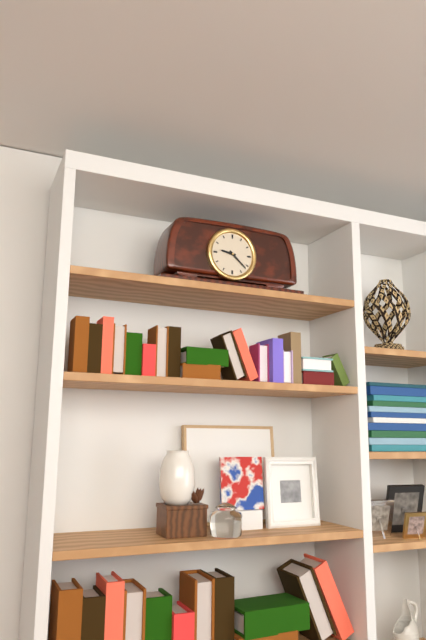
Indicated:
h=9 m=22
